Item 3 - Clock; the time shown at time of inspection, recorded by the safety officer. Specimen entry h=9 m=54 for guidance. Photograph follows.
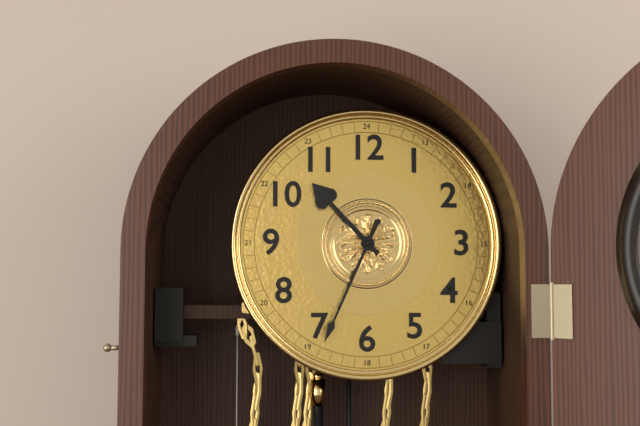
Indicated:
h=10 m=34
